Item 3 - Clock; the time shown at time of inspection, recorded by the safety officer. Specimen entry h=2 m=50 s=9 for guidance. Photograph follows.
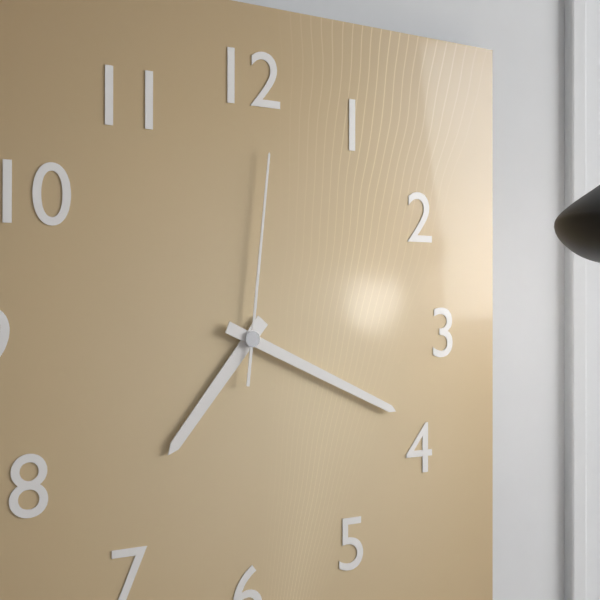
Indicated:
h=7 m=19 s=1
